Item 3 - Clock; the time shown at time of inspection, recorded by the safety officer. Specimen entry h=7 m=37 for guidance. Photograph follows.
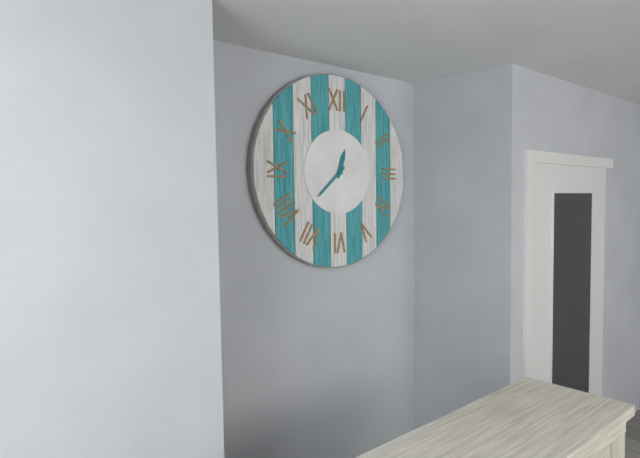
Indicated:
h=12 m=38
